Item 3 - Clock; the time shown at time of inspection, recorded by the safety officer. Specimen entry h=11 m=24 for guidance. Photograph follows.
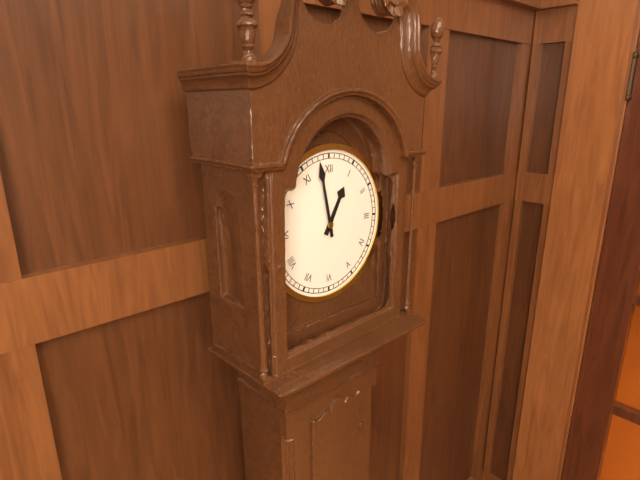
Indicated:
h=12 m=58
